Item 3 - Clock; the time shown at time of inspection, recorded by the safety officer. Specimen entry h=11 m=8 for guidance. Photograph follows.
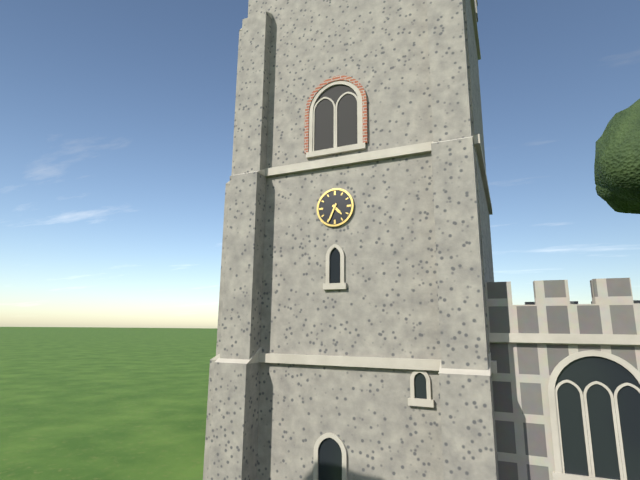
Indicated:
h=4 m=34
